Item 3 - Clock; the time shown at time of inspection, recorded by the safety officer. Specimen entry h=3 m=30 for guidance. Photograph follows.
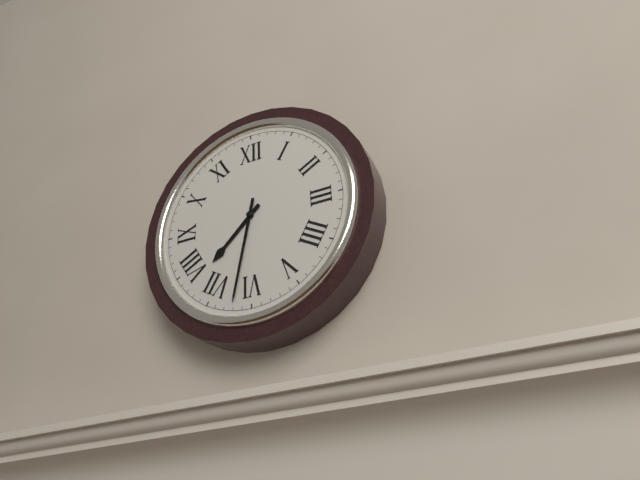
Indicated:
h=7 m=32
